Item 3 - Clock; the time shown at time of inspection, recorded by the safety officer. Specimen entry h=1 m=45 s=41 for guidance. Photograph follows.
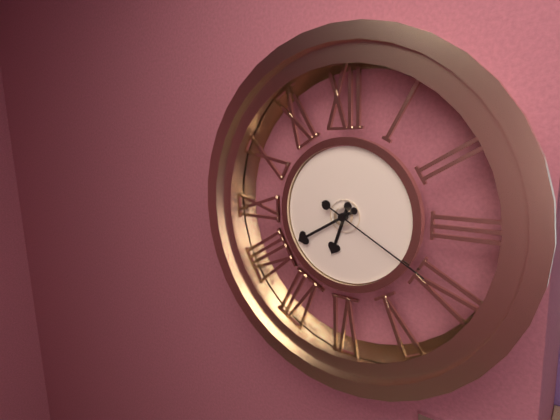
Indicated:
h=6 m=40 s=20
